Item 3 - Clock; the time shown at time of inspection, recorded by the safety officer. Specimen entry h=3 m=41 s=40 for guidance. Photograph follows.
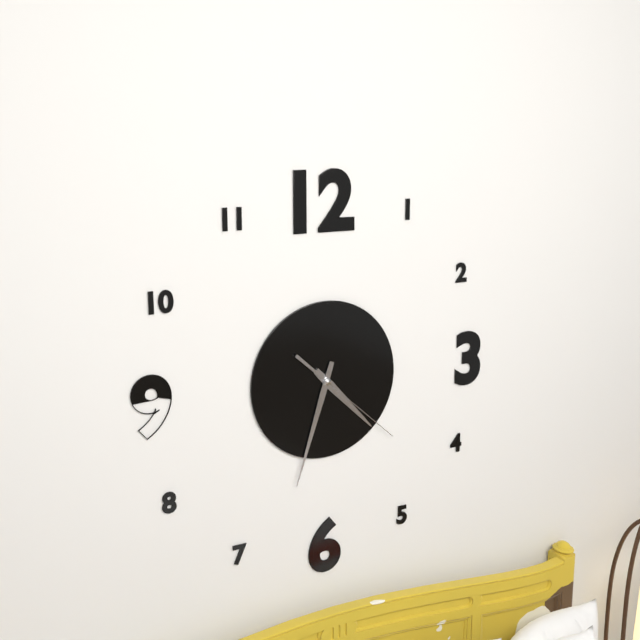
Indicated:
h=4 m=33 s=22
